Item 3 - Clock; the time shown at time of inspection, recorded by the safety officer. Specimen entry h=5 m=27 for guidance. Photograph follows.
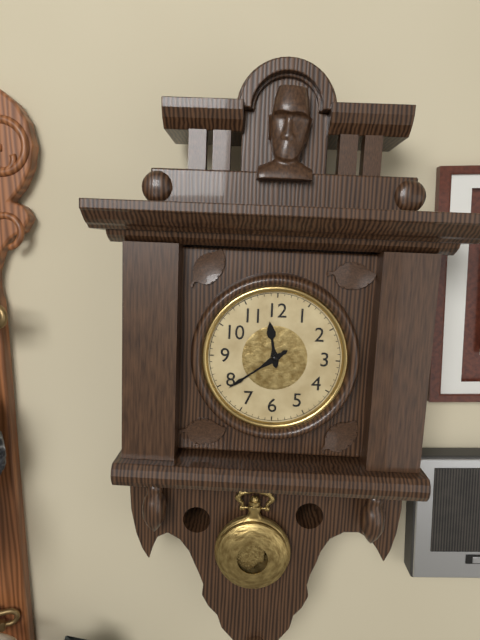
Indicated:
h=11 m=39
